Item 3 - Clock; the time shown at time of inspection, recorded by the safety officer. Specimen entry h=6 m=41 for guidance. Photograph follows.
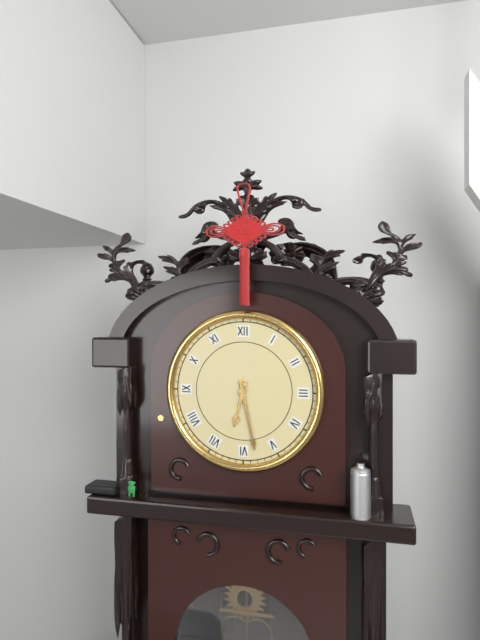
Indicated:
h=6 m=28
